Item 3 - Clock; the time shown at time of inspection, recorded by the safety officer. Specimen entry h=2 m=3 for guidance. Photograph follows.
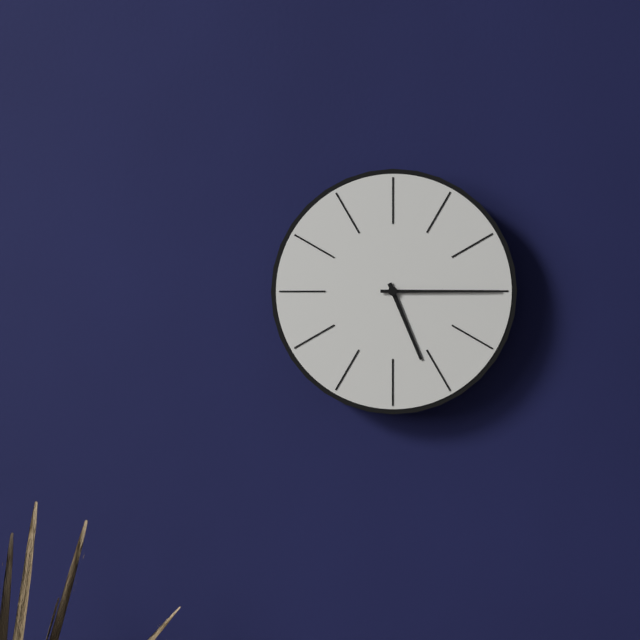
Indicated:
h=5 m=15
